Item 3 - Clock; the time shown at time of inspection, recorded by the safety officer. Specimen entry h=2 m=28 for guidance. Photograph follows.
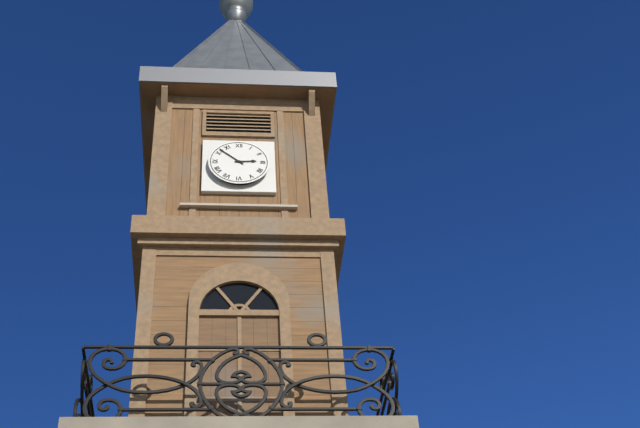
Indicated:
h=2 m=52
